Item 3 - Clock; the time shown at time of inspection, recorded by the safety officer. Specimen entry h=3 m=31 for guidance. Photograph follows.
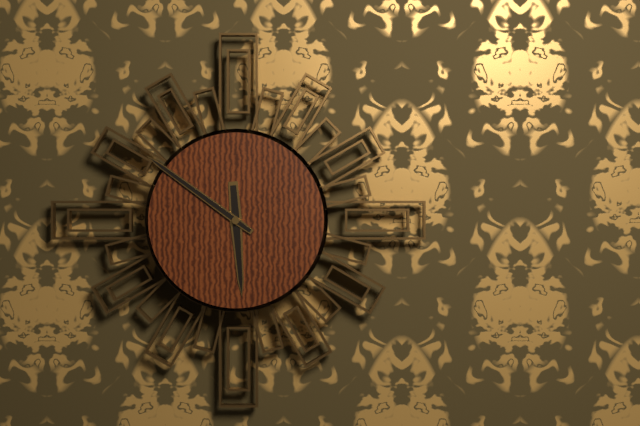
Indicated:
h=5 m=51
